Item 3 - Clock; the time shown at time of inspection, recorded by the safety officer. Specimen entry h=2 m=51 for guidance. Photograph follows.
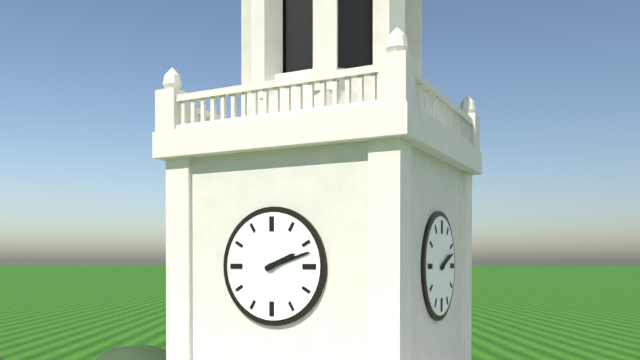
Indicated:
h=2 m=12
